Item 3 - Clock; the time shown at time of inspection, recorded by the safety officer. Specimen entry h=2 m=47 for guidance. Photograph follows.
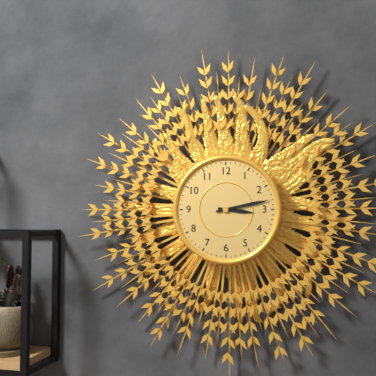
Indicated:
h=3 m=13
